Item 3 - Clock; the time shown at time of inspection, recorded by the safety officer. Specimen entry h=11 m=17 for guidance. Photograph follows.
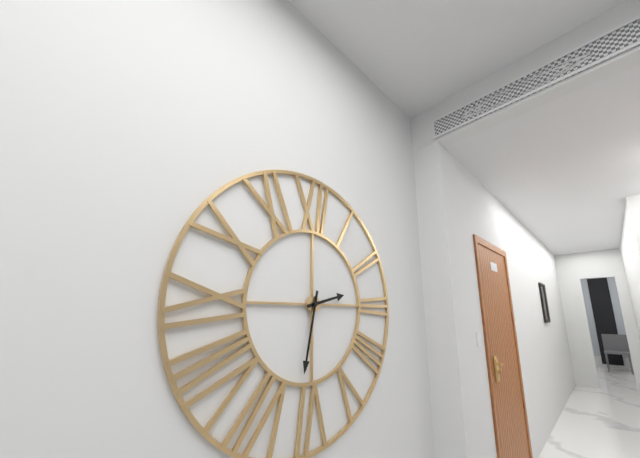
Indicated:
h=2 m=32
